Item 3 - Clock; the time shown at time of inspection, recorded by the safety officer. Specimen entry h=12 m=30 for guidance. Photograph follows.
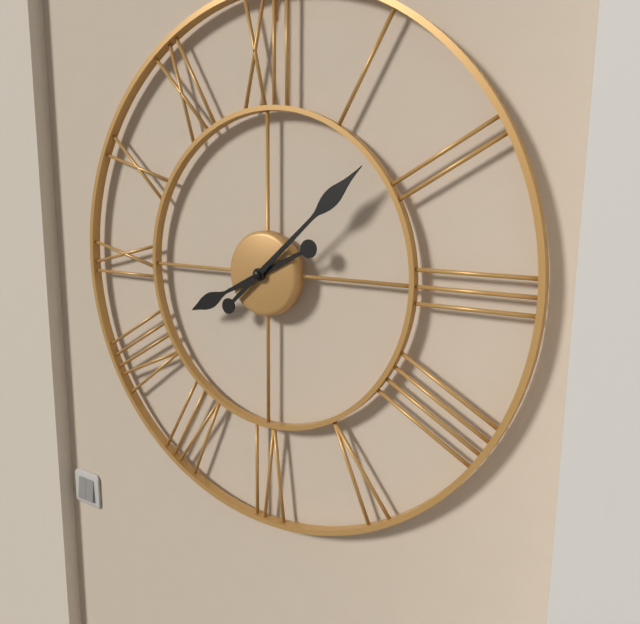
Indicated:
h=8 m=8
